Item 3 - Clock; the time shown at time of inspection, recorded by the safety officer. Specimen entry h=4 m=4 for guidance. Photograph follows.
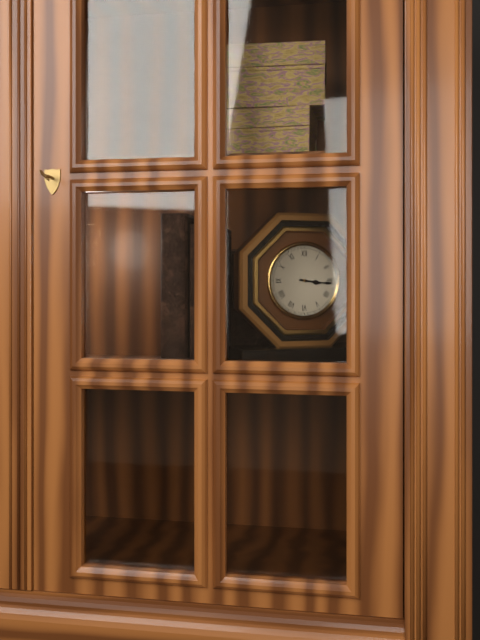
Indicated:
h=3 m=16
